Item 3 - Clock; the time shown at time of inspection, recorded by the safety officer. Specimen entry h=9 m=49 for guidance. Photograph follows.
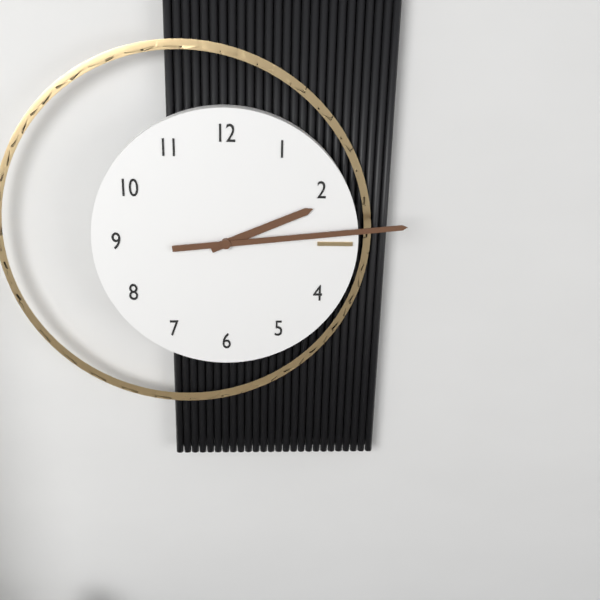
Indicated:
h=2 m=14
